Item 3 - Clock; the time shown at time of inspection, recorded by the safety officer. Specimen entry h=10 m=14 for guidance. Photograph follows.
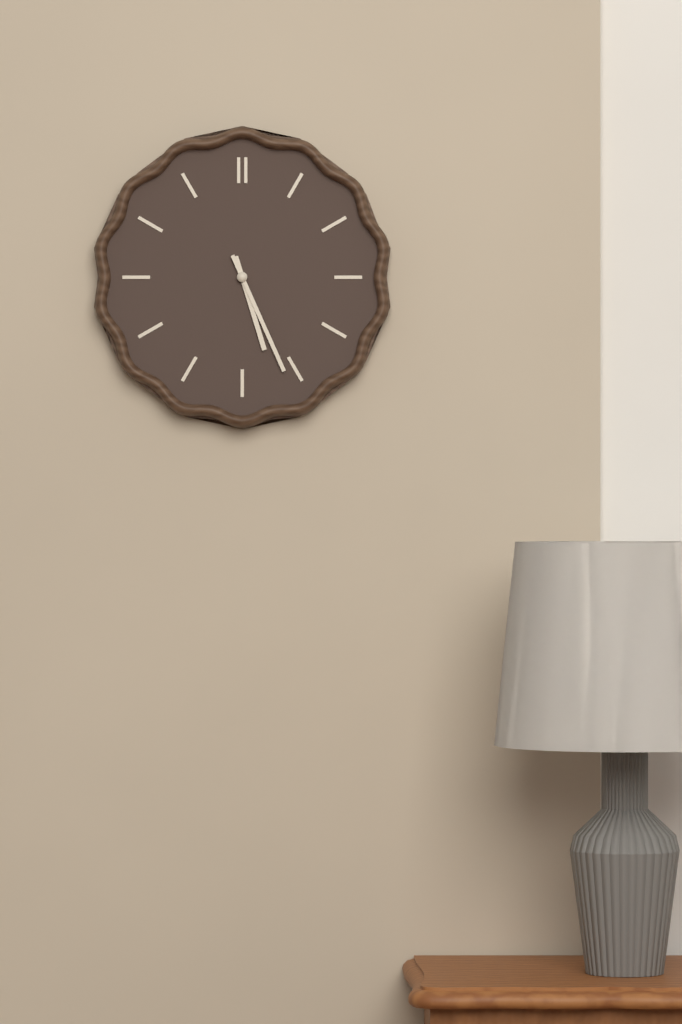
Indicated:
h=5 m=26
